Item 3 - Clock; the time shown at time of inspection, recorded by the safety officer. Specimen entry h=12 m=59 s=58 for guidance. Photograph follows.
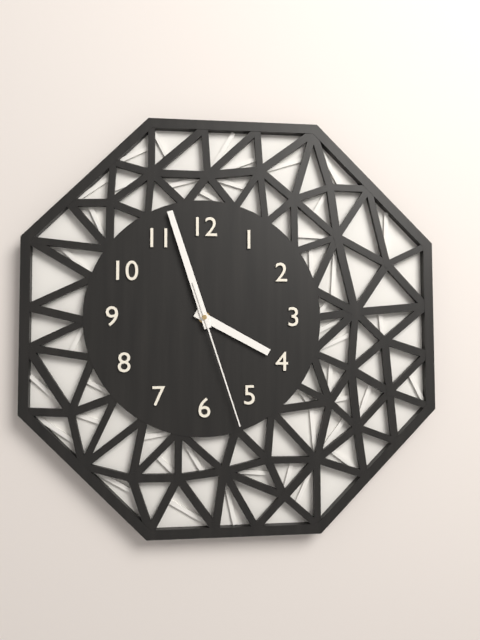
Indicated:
h=3 m=57 s=27
